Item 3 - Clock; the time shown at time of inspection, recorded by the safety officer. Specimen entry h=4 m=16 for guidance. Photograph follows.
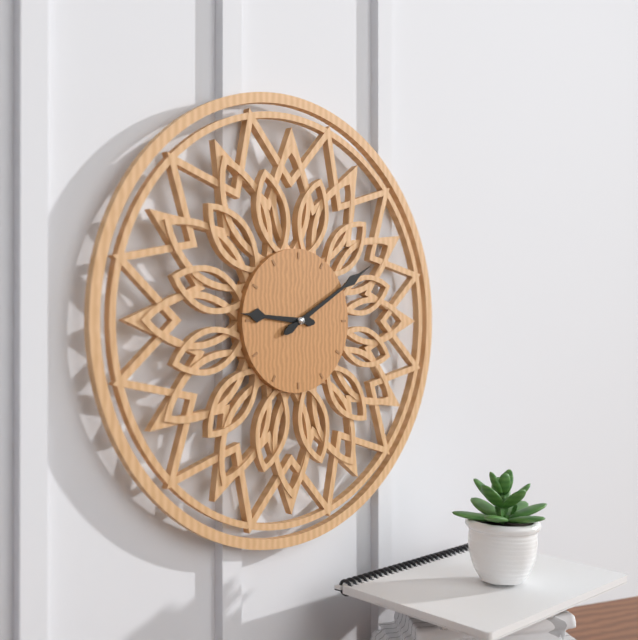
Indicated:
h=9 m=10
